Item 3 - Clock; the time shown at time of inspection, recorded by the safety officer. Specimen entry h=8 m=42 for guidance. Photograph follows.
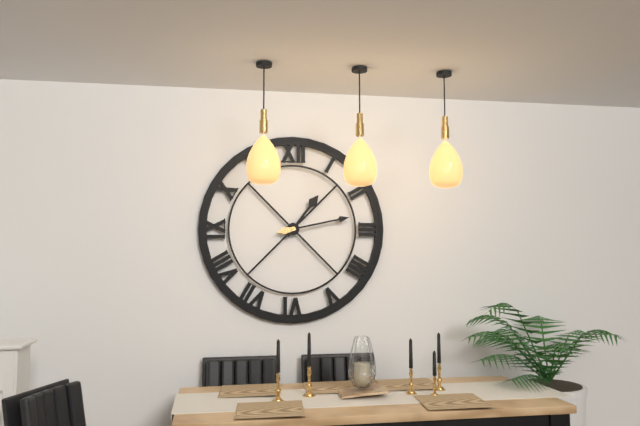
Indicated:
h=1 m=13
